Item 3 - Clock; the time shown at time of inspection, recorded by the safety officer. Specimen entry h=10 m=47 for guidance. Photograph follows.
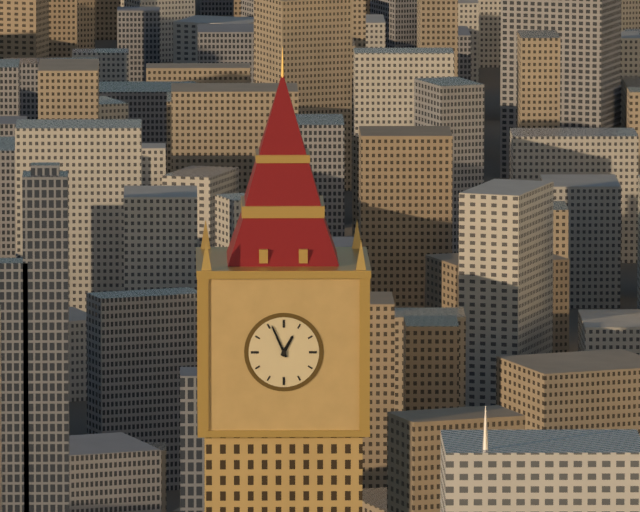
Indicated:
h=12 m=56
